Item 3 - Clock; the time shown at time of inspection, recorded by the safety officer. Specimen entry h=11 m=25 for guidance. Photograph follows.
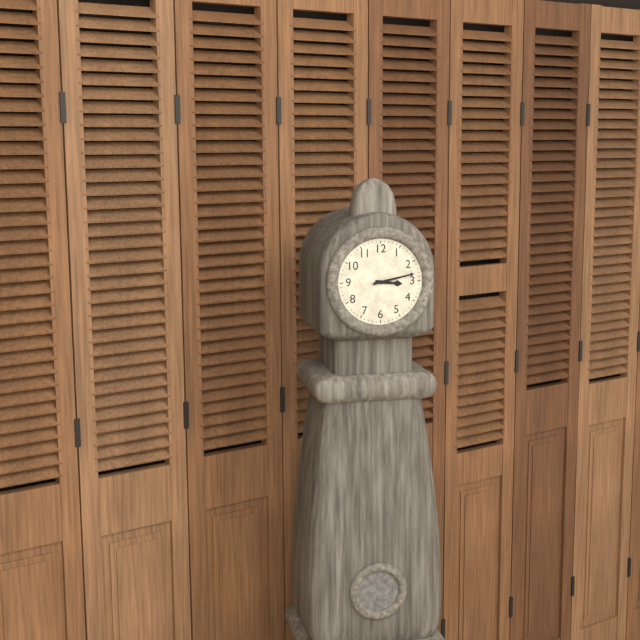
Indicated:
h=3 m=13
